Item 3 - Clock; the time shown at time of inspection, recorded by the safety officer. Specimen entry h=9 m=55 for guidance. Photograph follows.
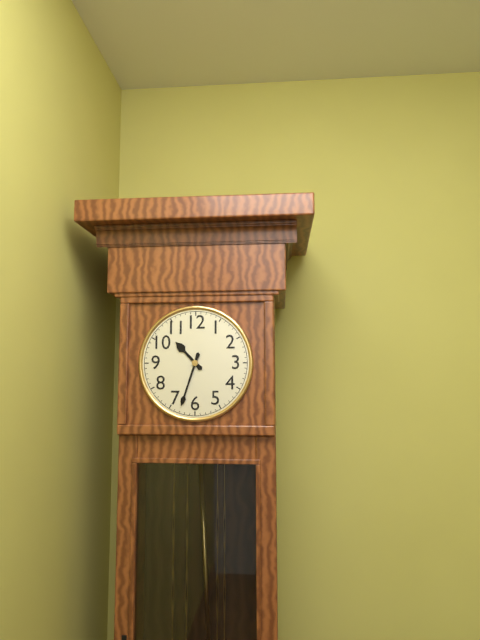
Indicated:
h=10 m=33
